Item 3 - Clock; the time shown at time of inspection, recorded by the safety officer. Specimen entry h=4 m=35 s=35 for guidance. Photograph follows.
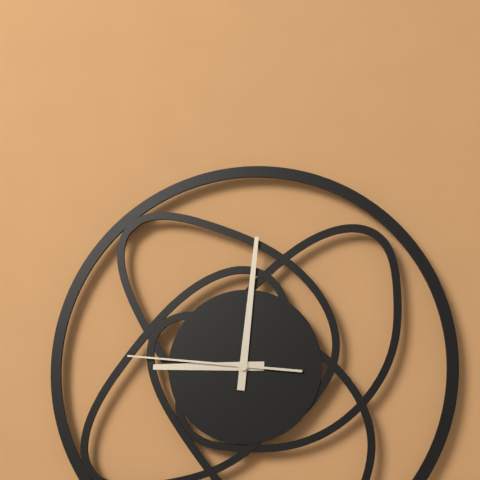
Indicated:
h=9 m=1 s=46
